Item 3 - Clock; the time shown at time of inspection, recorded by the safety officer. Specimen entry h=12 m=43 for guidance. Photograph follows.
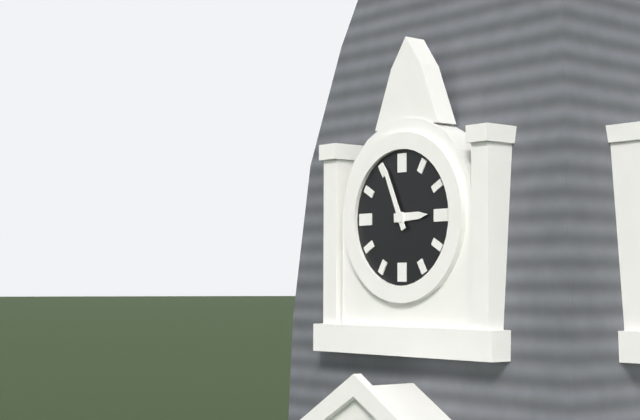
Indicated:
h=2 m=56
